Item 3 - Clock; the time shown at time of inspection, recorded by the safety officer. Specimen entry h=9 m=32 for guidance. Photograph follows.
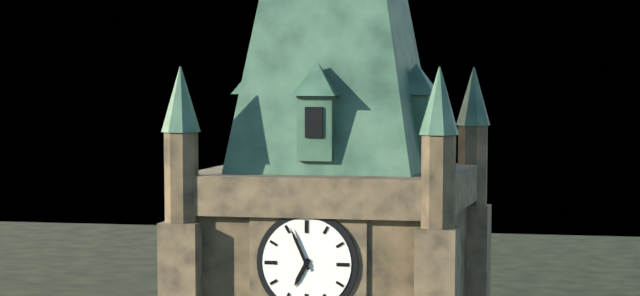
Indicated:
h=6 m=56
